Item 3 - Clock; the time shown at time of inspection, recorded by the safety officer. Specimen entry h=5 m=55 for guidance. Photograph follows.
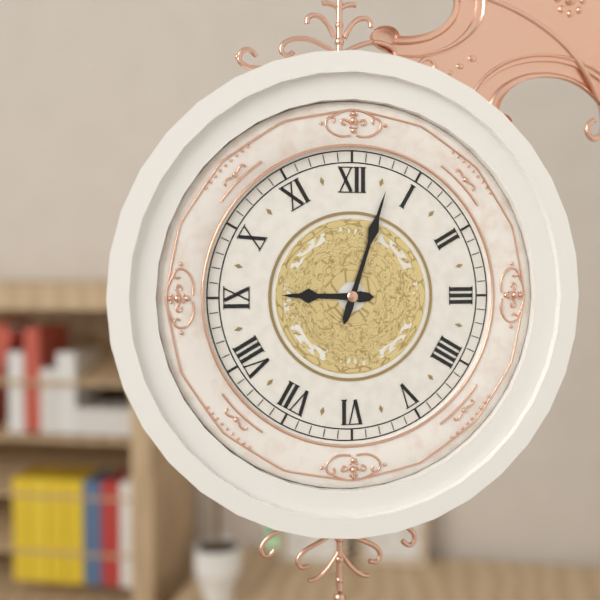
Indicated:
h=9 m=3
